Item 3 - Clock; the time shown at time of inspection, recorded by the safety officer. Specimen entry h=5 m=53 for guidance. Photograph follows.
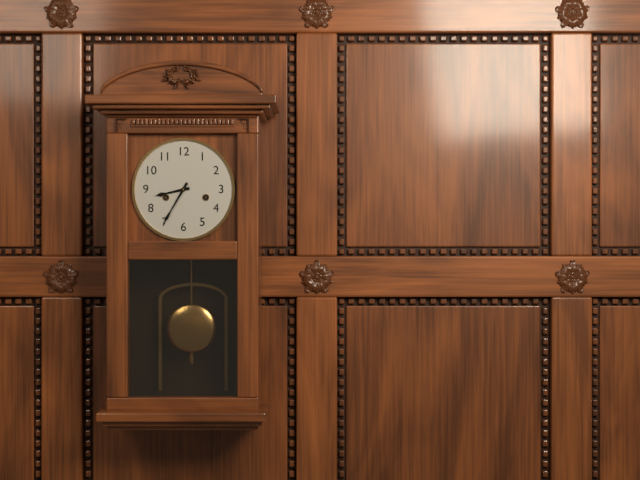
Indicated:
h=8 m=35
